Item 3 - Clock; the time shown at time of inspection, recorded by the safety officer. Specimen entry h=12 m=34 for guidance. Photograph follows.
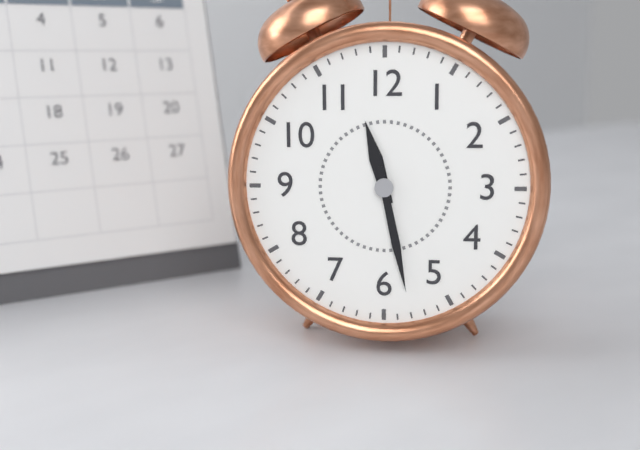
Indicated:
h=11 m=28
